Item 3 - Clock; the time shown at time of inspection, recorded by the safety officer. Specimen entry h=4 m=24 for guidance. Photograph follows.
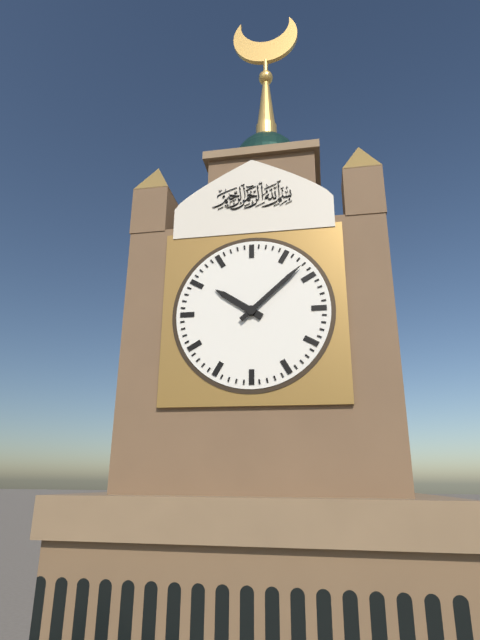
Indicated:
h=10 m=8
